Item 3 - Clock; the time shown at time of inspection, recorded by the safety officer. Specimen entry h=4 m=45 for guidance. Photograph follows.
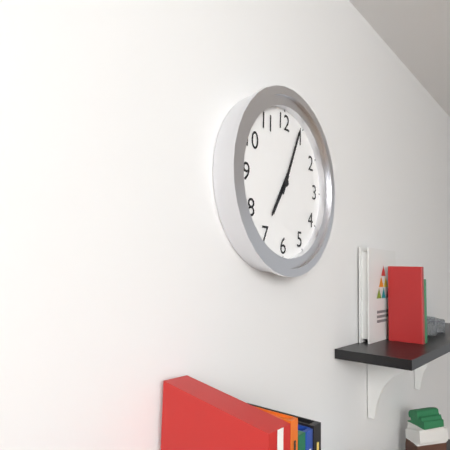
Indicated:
h=7 m=4
